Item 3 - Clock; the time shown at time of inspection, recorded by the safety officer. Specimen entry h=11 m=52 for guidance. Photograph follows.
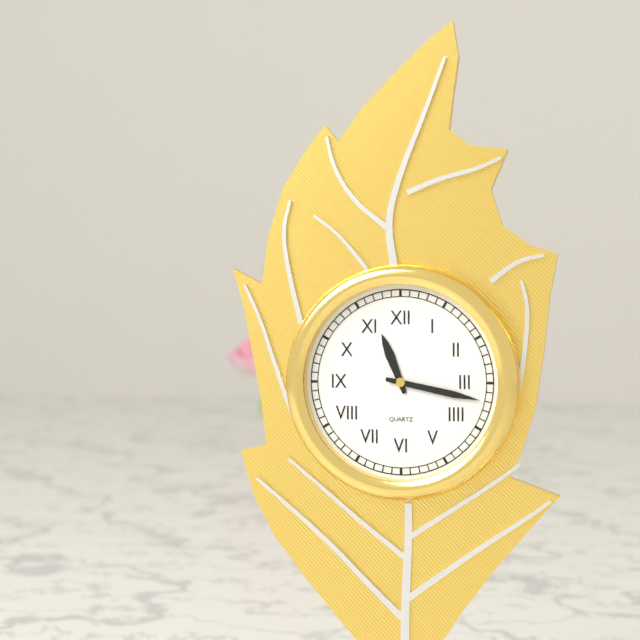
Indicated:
h=11 m=17
